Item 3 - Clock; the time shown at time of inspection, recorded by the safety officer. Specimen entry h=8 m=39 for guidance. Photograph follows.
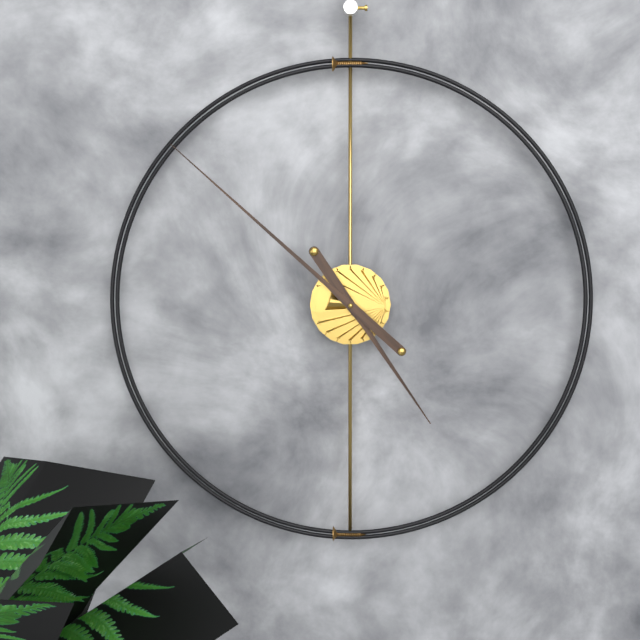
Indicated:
h=4 m=52
